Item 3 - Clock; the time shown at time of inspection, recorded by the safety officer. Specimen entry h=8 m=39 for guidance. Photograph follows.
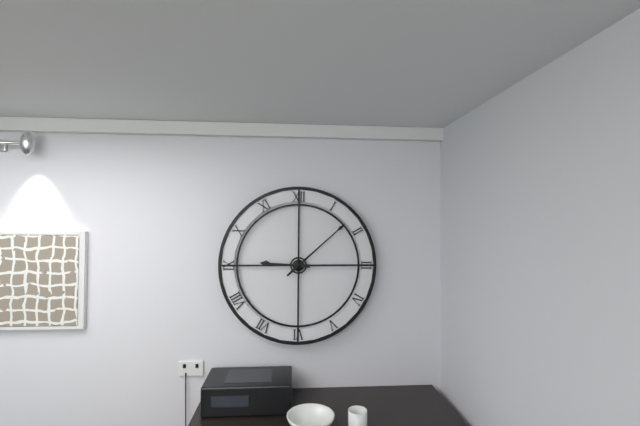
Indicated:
h=9 m=8
